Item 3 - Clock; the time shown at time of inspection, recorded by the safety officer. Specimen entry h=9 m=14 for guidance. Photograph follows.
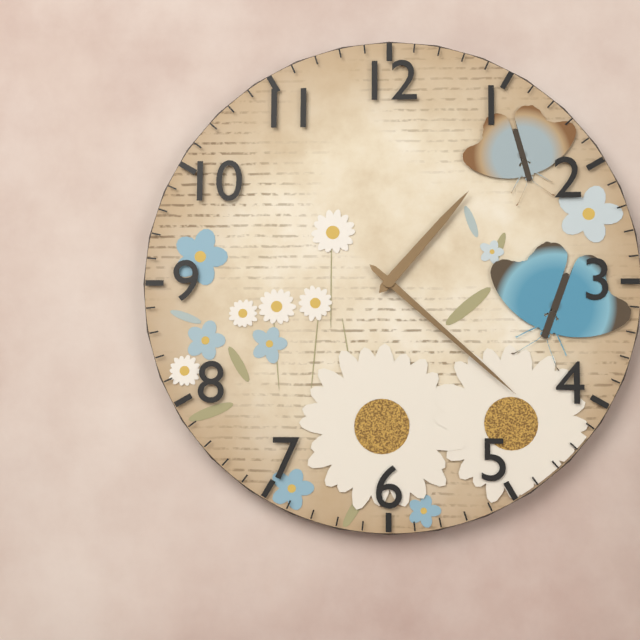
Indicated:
h=1 m=22
